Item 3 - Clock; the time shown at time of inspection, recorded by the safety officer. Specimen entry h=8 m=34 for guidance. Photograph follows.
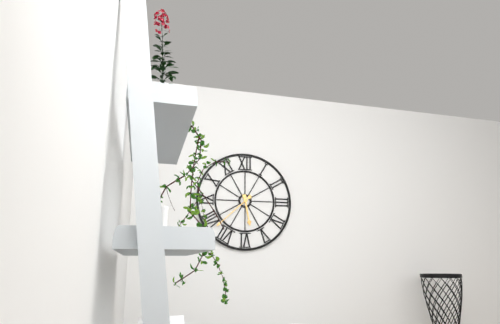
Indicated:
h=5 m=38
